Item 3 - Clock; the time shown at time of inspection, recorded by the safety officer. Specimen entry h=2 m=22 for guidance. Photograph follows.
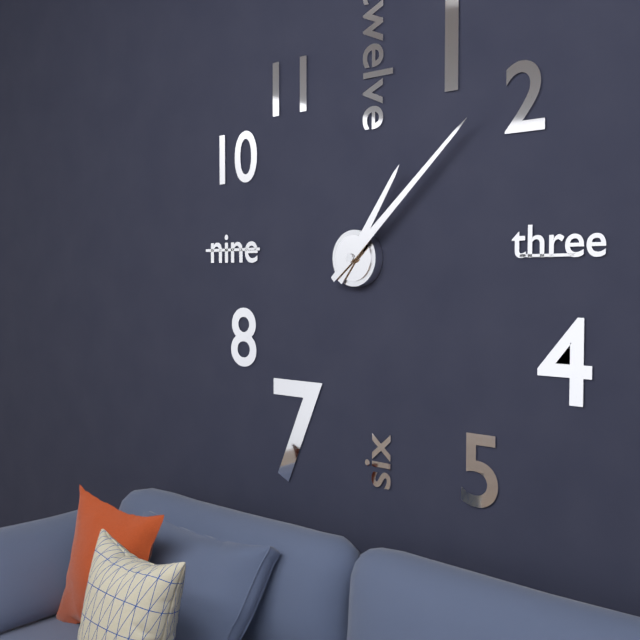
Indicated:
h=1 m=8
